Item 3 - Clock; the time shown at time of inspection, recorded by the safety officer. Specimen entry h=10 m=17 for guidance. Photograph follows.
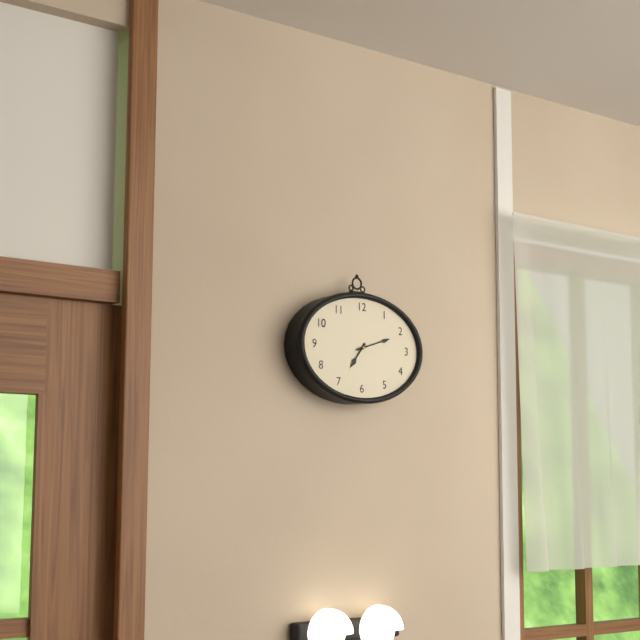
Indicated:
h=7 m=12
